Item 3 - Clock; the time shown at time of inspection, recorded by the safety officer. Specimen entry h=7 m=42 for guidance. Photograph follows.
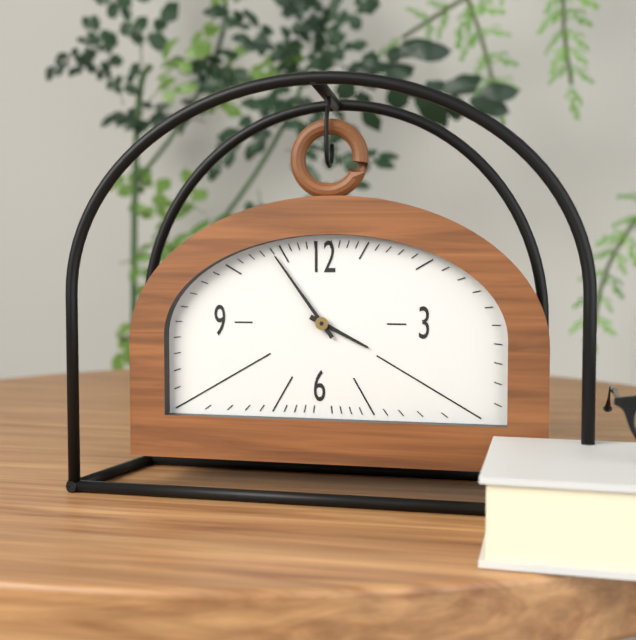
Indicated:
h=3 m=54
